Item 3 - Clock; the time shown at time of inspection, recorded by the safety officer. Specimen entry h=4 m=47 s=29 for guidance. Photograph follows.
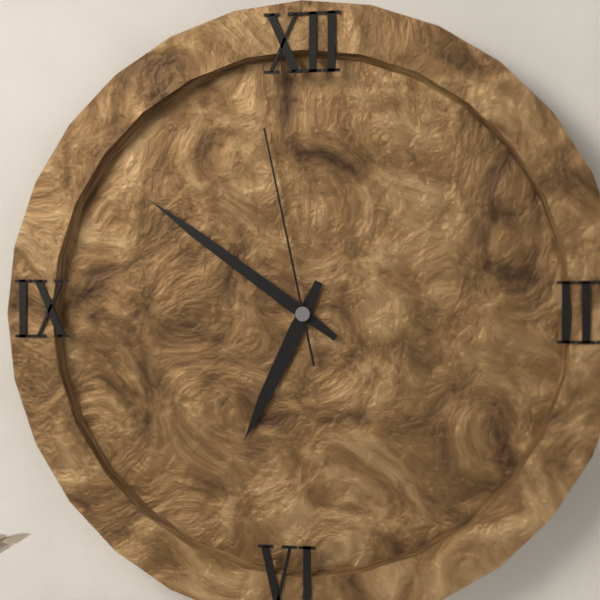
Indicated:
h=6 m=51 s=58
